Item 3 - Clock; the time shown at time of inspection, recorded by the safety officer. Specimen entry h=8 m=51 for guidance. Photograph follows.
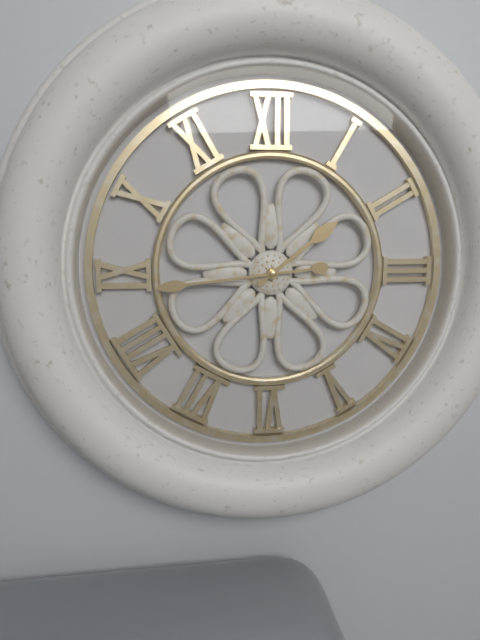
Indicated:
h=1 m=44
